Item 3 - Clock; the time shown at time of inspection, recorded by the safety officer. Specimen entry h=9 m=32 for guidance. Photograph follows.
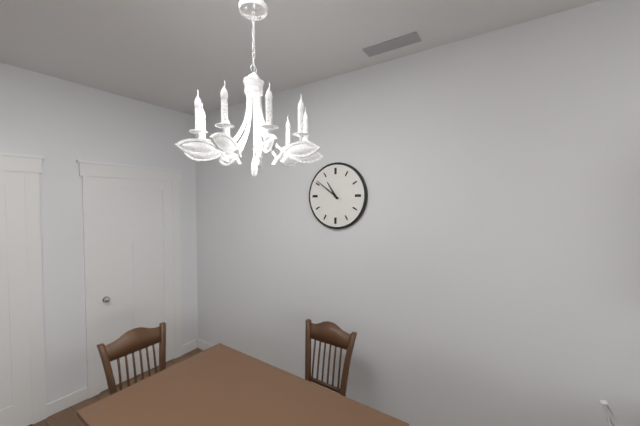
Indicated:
h=10 m=51
